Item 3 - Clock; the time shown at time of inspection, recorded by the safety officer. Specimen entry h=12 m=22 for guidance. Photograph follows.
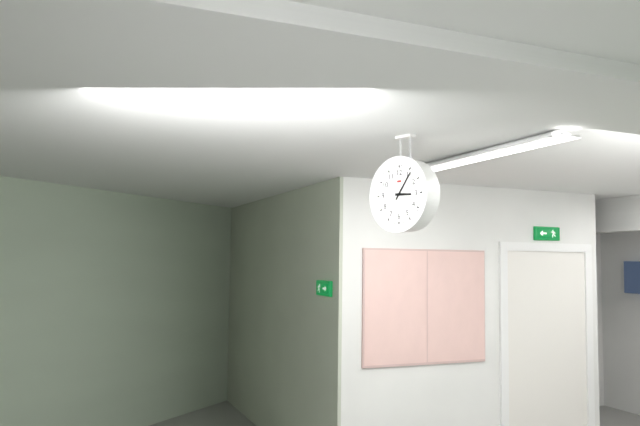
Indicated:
h=3 m=6
